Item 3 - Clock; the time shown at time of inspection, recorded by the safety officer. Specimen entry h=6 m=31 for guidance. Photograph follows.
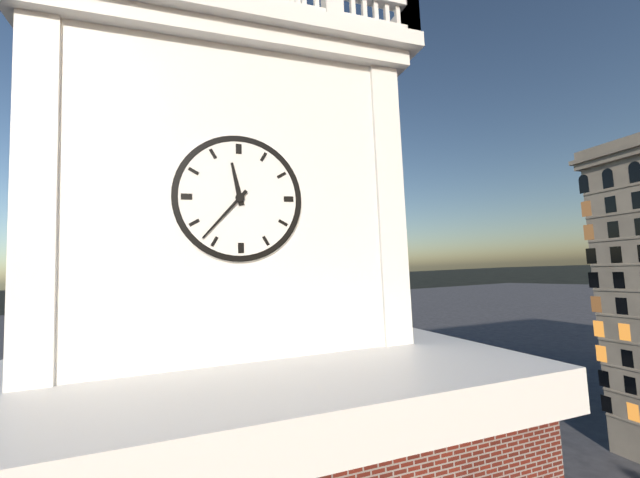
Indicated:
h=11 m=37
